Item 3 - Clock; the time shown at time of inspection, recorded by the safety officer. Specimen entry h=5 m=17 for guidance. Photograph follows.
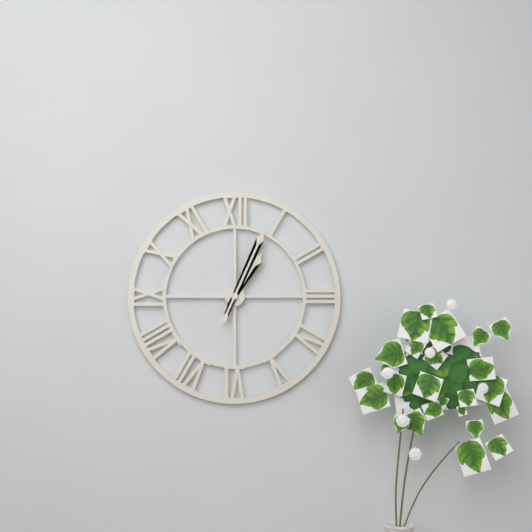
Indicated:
h=1 m=4
